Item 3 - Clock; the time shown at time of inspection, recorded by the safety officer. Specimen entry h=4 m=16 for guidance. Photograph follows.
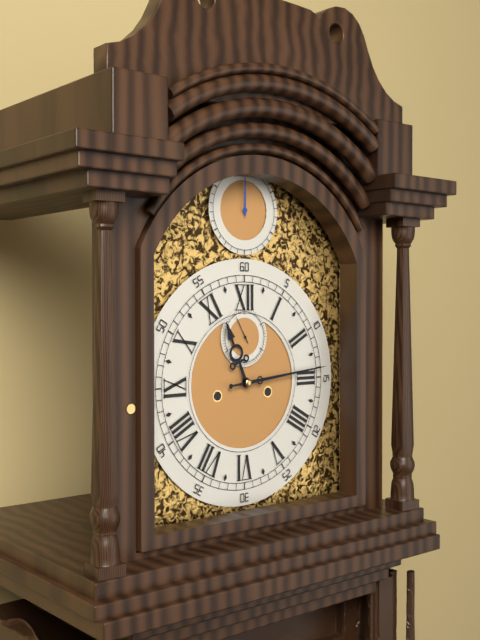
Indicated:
h=11 m=14
